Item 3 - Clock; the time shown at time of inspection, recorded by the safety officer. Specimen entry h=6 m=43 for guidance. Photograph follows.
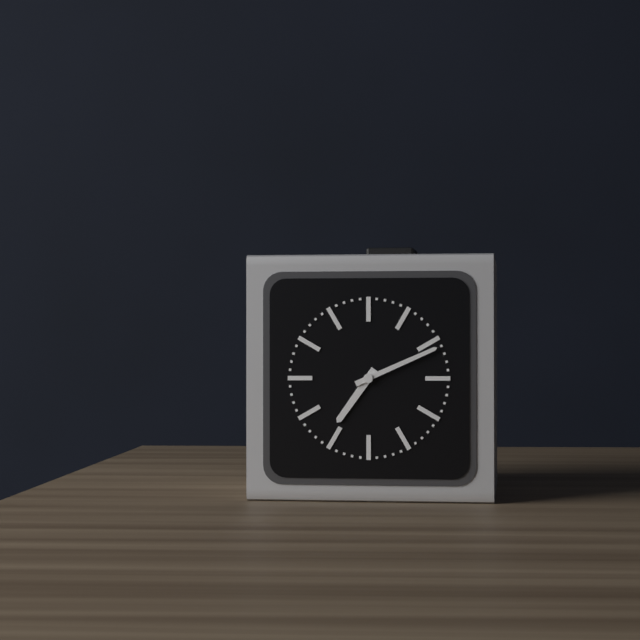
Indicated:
h=7 m=11
